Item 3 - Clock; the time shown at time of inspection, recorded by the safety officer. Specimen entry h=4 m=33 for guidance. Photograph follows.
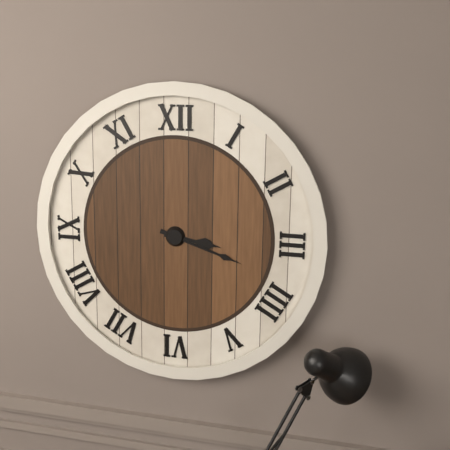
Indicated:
h=3 m=18
